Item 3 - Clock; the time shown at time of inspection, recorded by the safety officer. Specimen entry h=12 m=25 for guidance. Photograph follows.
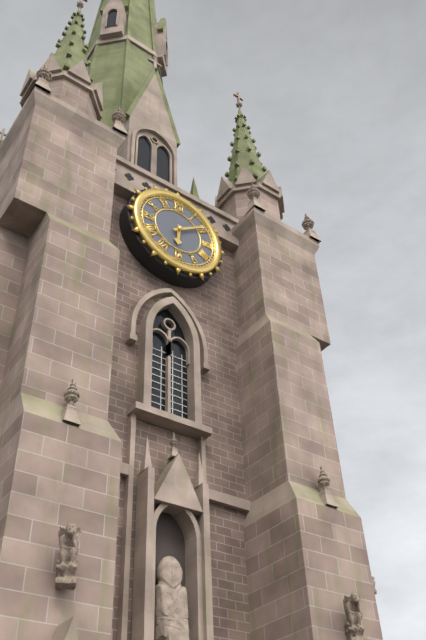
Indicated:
h=6 m=9
